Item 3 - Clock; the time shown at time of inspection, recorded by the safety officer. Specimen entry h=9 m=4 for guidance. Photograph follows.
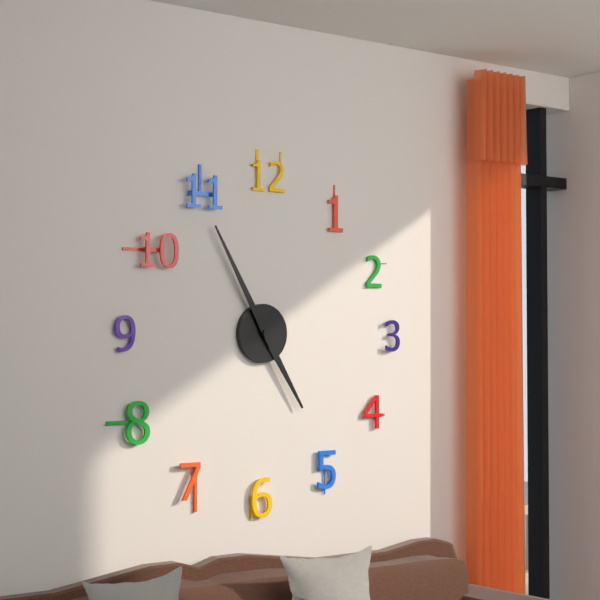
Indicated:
h=4 m=55
